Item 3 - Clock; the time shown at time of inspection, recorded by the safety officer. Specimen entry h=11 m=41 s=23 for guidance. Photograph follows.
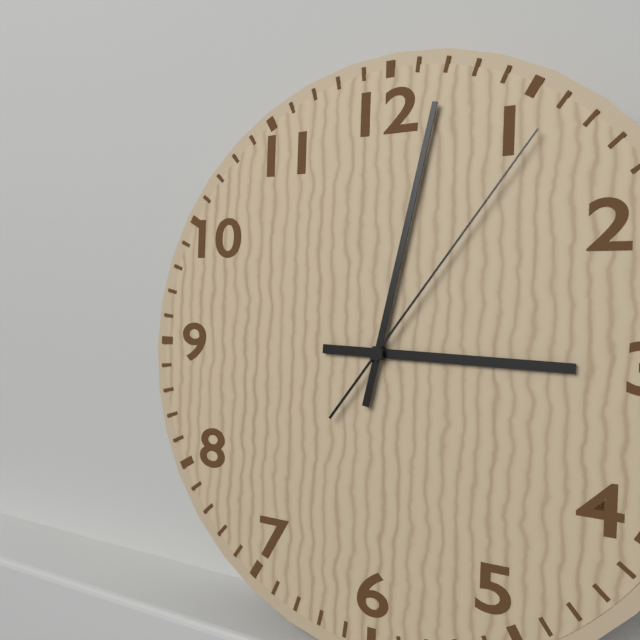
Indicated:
h=3 m=2 s=6
